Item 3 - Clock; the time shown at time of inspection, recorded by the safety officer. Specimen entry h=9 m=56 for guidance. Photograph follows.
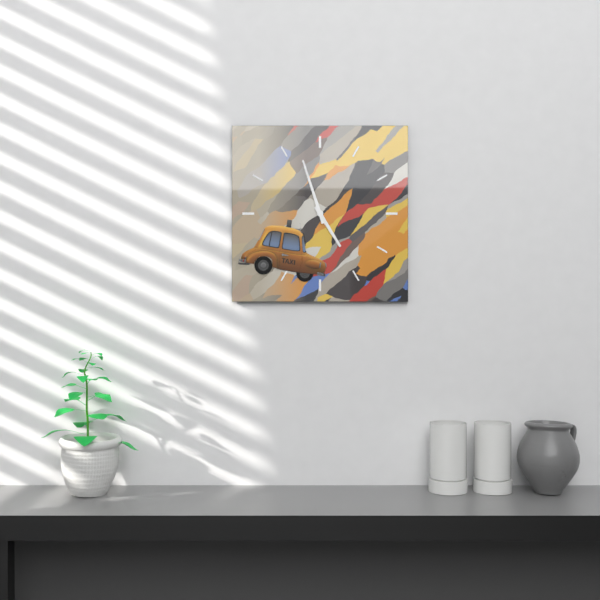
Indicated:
h=4 m=57
